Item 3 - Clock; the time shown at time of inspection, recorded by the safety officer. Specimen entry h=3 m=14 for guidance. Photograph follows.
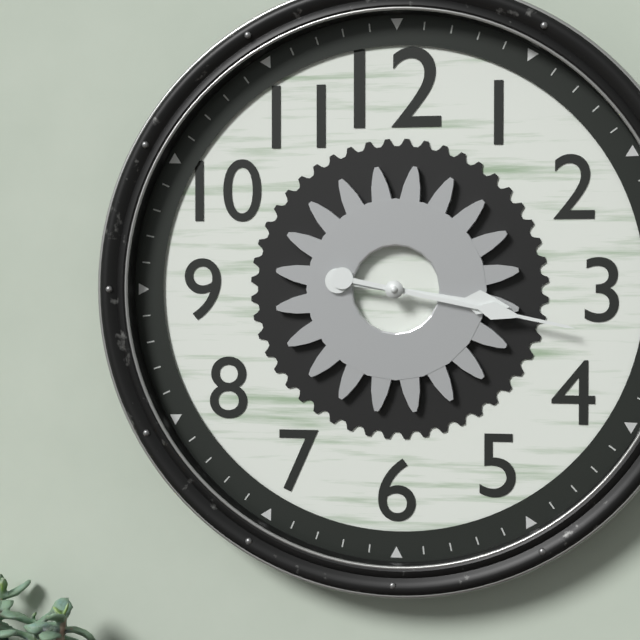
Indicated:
h=3 m=17
